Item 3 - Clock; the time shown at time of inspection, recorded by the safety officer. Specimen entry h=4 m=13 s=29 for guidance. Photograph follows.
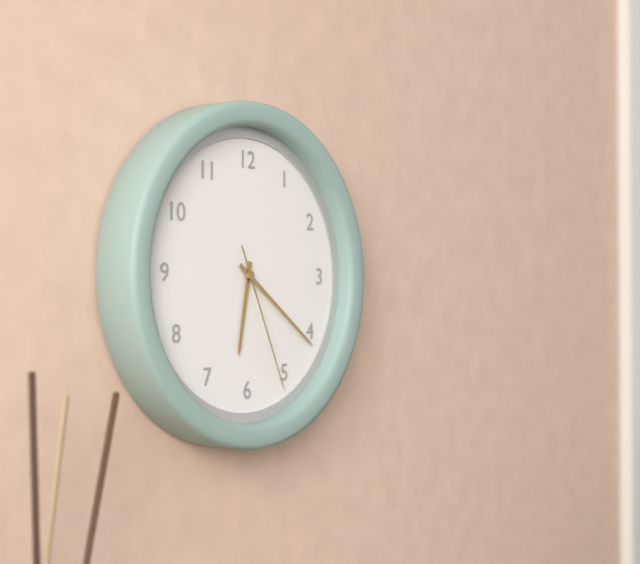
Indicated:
h=6 m=21 s=26
